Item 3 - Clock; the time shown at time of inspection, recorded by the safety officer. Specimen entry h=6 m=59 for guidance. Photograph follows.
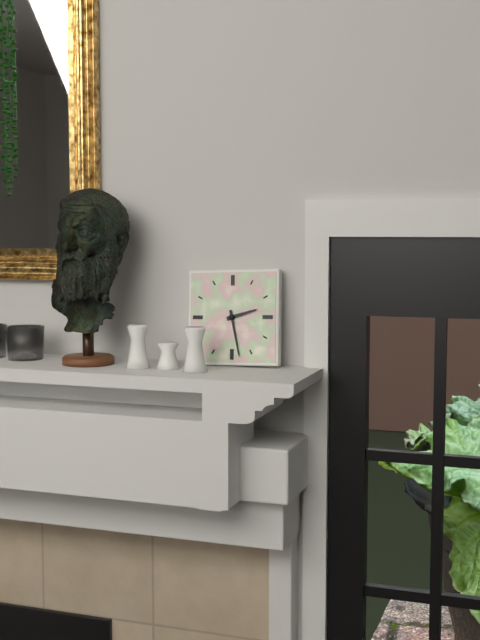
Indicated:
h=2 m=28
